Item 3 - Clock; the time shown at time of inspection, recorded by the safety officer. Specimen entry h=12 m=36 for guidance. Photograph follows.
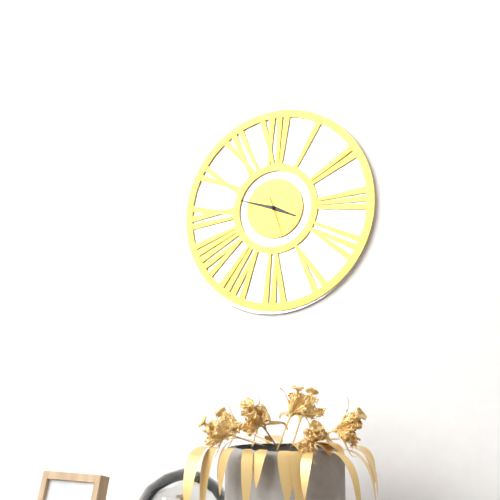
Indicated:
h=3 m=48
